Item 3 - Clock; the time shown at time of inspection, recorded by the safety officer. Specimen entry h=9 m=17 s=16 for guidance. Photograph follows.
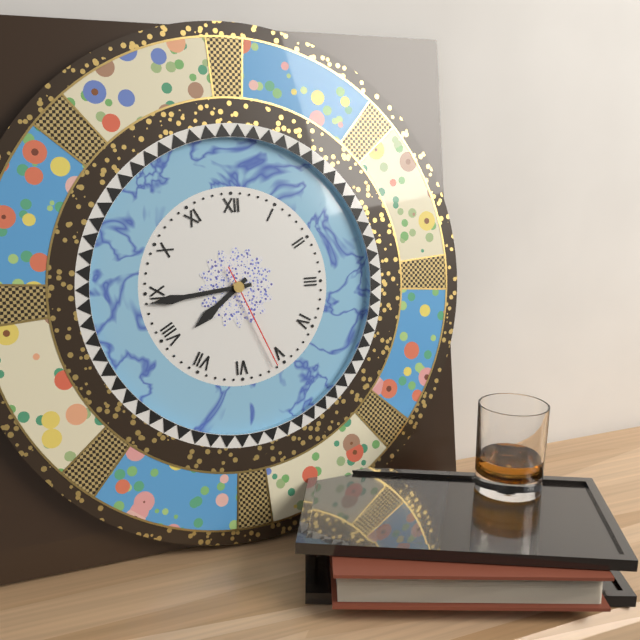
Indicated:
h=7 m=44 s=26
